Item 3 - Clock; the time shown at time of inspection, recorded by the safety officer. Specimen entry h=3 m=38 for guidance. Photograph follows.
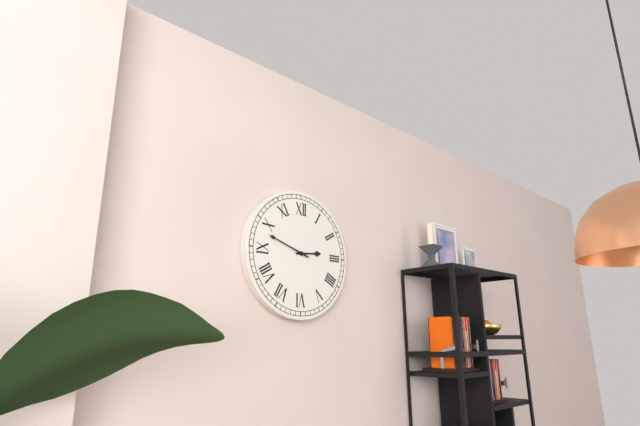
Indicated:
h=2 m=48
